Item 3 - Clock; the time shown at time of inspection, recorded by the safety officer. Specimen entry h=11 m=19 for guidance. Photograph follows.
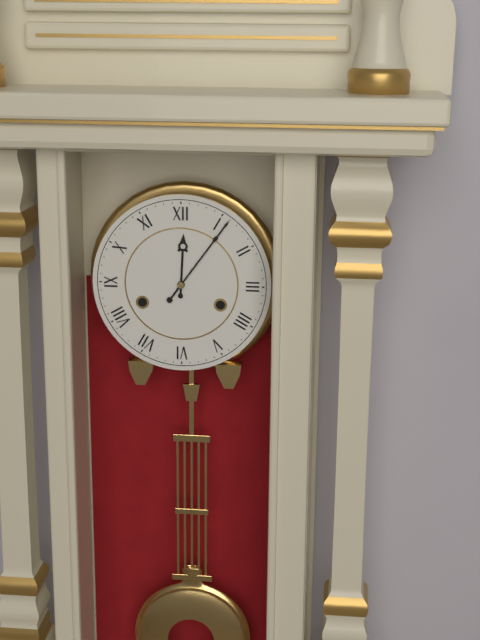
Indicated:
h=12 m=6
